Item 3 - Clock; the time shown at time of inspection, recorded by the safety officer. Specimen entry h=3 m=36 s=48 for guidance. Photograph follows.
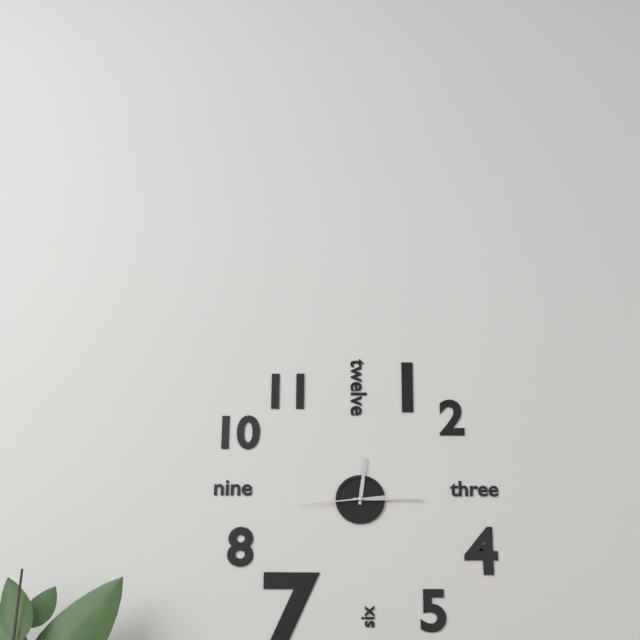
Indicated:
h=12 m=15 s=44
